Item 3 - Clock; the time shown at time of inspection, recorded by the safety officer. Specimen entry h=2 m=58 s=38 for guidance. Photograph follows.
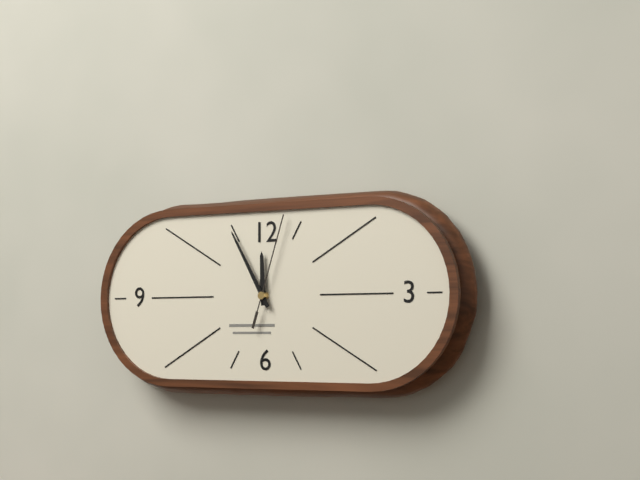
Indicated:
h=11 m=55 s=3
